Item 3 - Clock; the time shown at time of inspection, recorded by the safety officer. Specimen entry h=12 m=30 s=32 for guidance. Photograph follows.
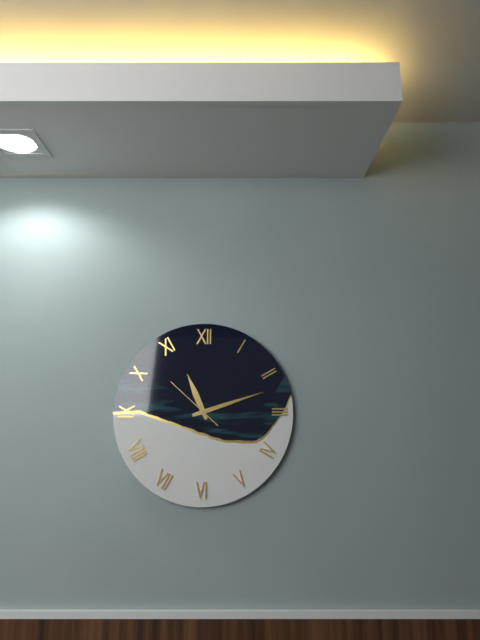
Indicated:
h=11 m=12 s=52
